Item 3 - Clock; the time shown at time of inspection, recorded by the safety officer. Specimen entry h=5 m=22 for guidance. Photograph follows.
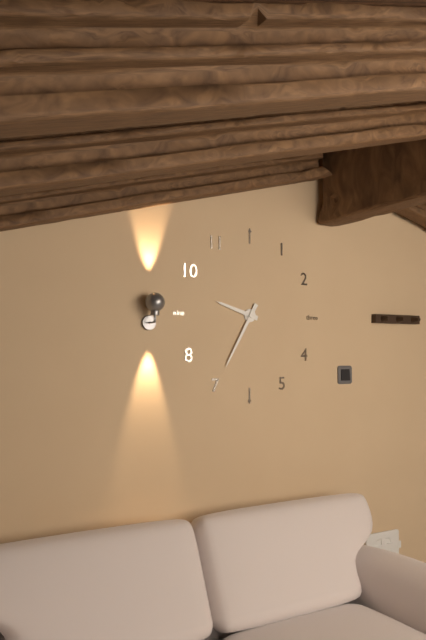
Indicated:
h=9 m=35
